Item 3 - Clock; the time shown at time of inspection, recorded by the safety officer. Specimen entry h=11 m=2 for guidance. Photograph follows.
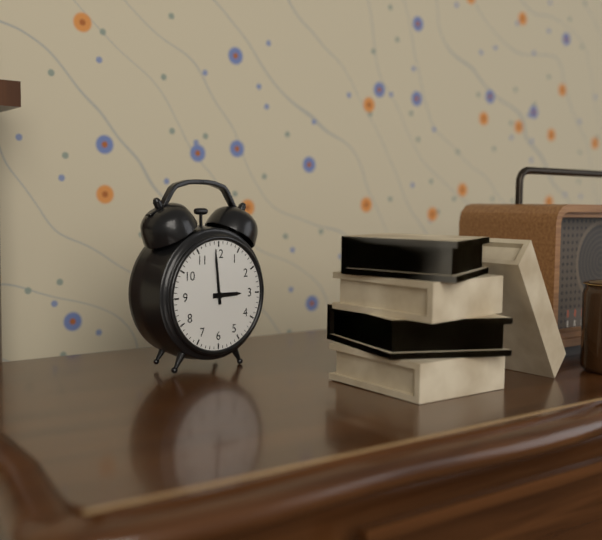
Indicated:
h=2 m=59
